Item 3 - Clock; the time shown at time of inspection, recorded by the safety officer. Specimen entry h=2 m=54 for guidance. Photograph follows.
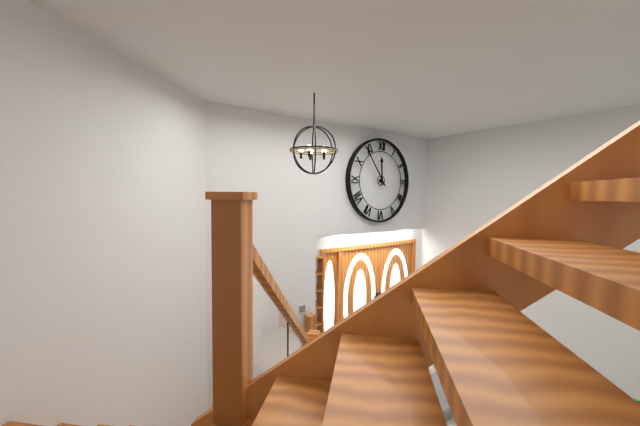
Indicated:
h=11 m=54
